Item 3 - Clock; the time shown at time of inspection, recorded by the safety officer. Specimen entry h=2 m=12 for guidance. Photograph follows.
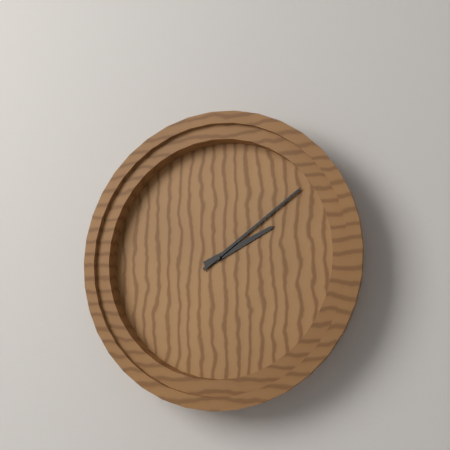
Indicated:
h=2 m=9
